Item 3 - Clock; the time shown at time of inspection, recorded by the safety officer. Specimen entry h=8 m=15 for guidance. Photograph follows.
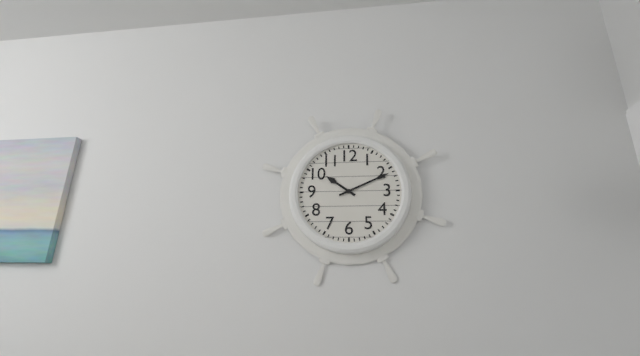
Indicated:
h=10 m=11
